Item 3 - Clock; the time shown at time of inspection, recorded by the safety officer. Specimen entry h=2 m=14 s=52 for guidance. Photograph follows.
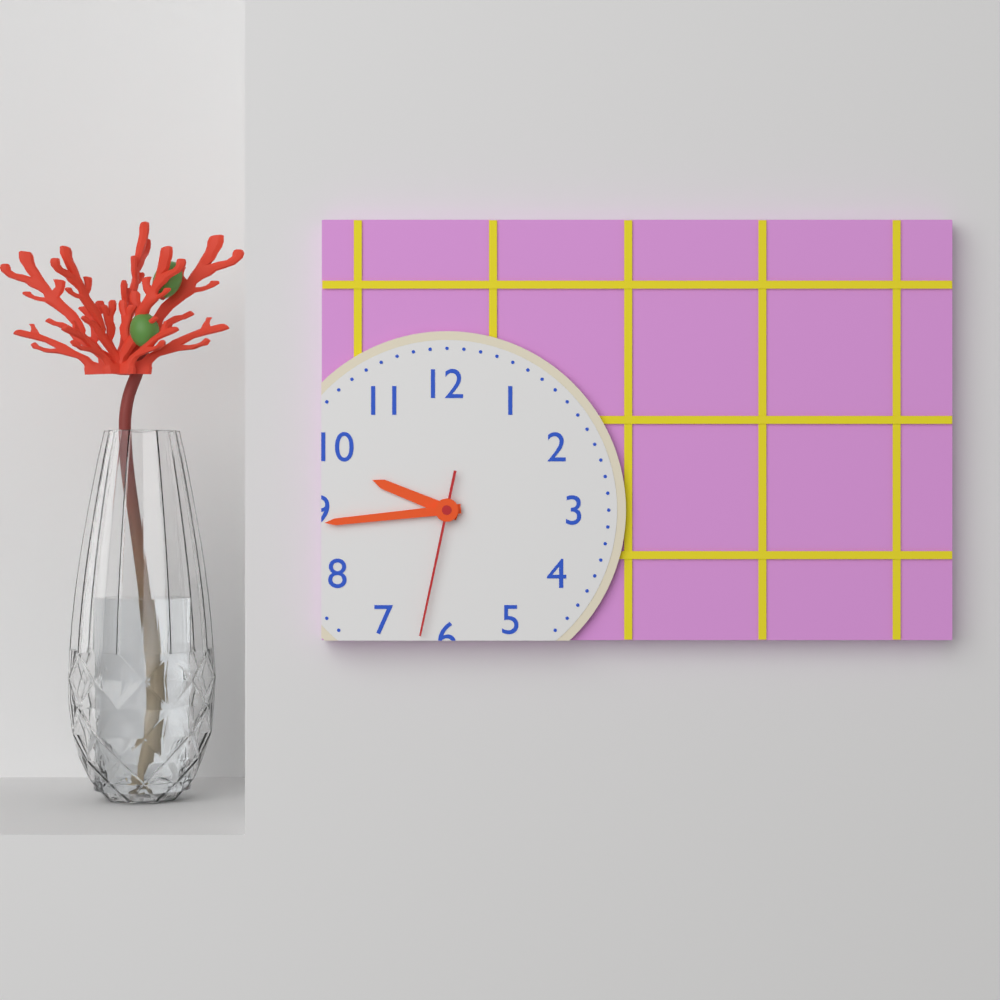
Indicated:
h=9 m=44 s=32
